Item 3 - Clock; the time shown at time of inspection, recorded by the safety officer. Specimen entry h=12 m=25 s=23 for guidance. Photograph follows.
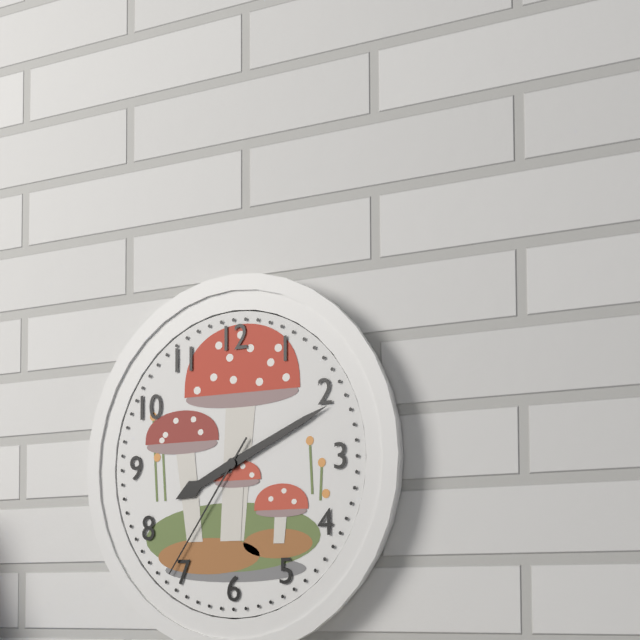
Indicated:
h=8 m=11 s=36
